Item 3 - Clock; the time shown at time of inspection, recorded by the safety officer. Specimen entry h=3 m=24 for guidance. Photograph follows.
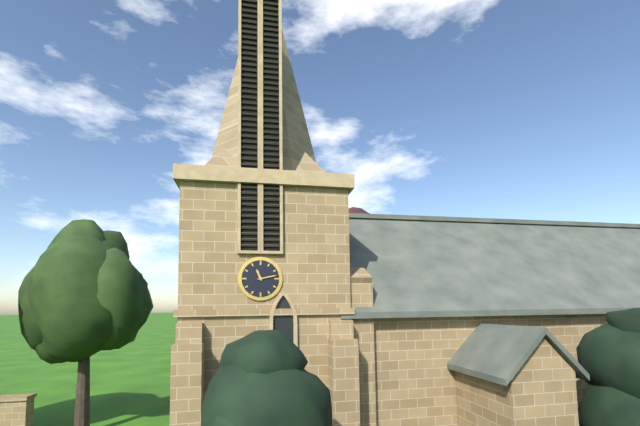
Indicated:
h=11 m=13
